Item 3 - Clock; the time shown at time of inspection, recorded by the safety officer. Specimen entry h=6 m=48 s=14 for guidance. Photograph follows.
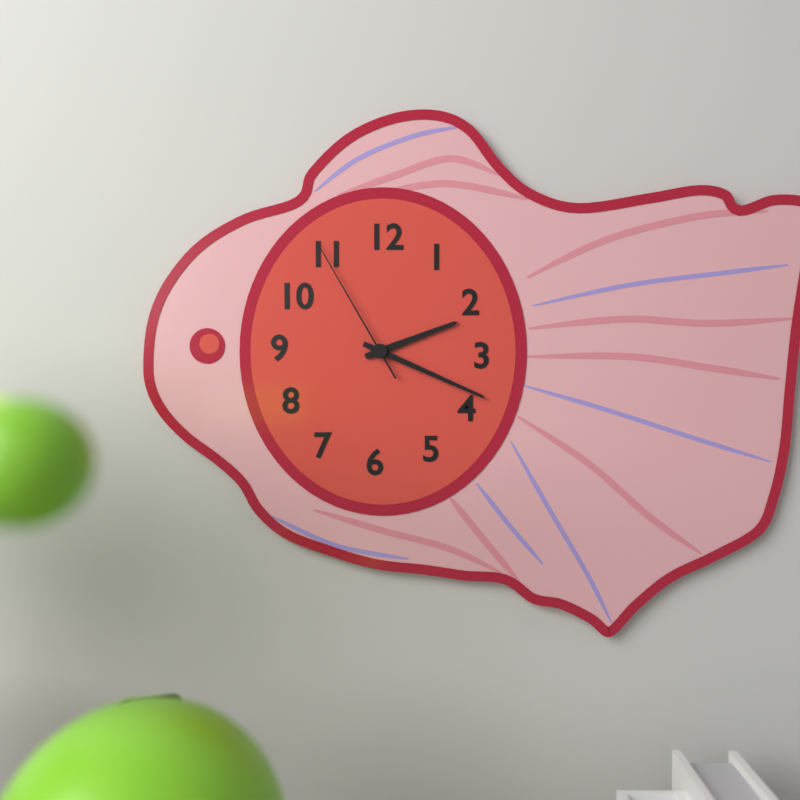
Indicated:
h=2 m=19 s=55
